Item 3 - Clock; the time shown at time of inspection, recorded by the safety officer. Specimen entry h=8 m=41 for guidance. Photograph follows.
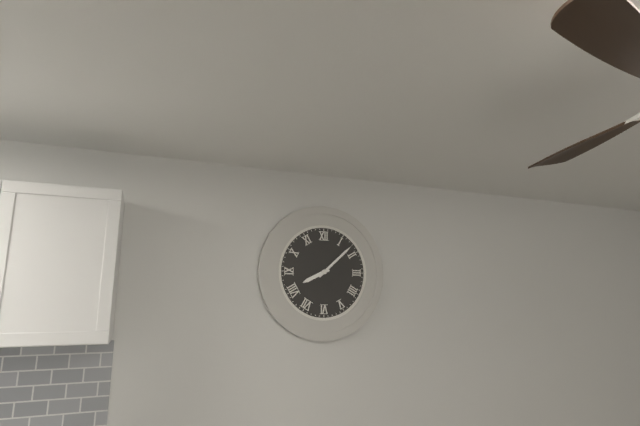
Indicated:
h=8 m=8
